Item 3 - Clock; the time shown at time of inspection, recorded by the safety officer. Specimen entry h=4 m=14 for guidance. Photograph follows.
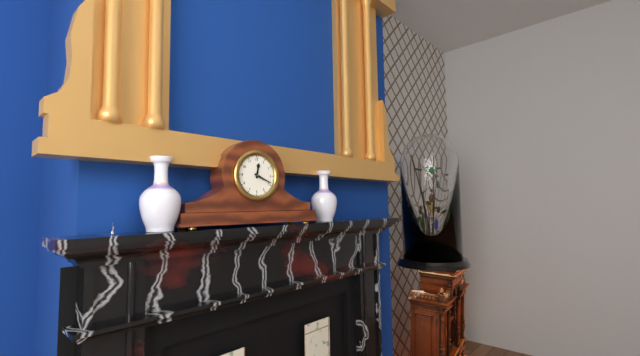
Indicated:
h=12 m=19
